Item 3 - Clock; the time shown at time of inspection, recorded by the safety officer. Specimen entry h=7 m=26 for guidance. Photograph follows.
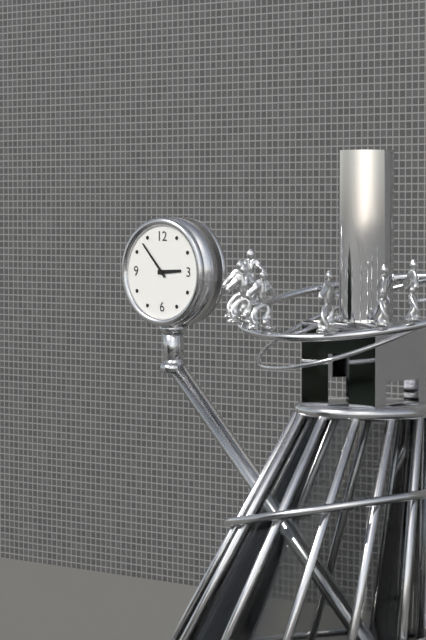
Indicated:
h=2 m=53
